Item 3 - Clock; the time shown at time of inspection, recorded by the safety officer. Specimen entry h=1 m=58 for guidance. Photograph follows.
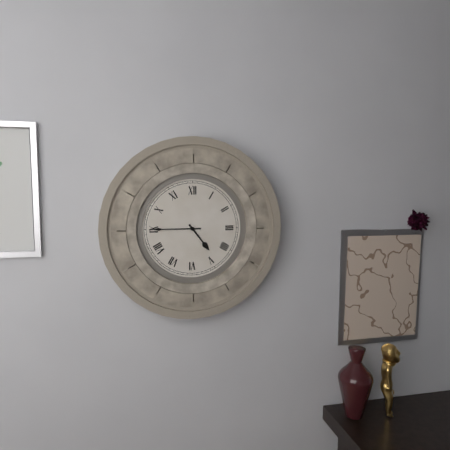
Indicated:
h=4 m=45
